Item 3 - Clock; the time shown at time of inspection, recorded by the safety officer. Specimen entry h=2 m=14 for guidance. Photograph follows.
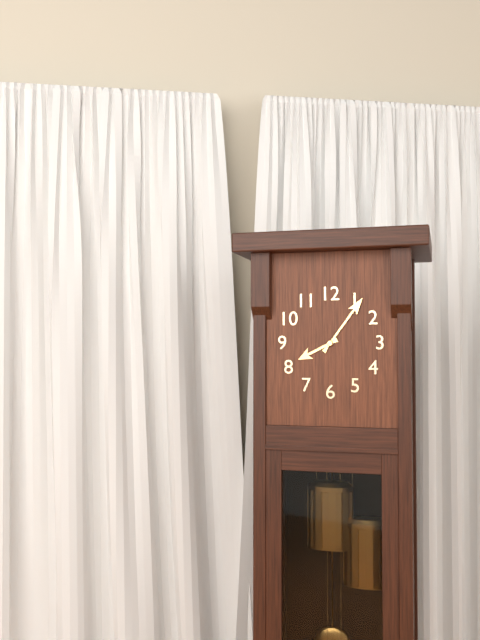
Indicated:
h=8 m=6
